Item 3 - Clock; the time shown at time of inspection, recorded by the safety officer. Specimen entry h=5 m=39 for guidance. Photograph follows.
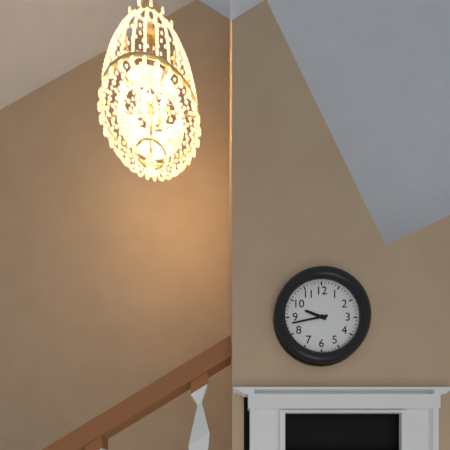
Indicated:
h=9 m=43
